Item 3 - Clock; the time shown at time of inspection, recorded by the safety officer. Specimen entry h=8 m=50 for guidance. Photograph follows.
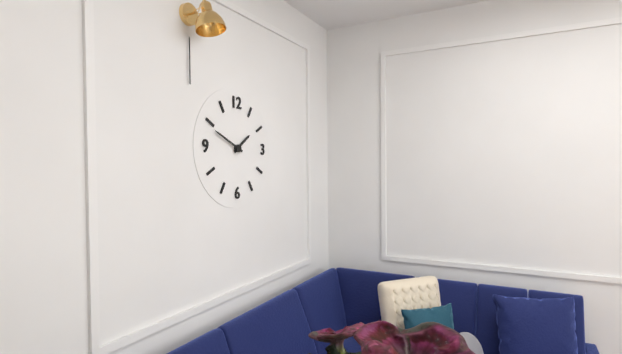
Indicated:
h=1 m=49
